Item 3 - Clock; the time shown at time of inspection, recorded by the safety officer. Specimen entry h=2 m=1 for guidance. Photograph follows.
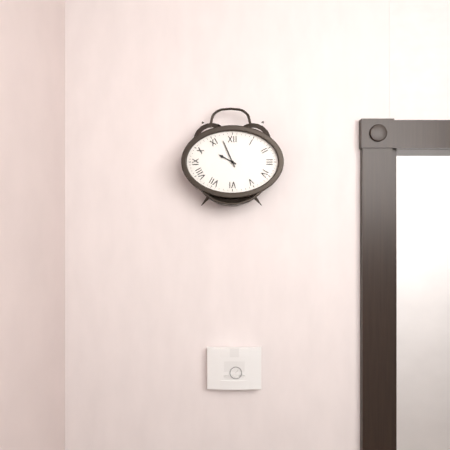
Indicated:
h=9 m=56
